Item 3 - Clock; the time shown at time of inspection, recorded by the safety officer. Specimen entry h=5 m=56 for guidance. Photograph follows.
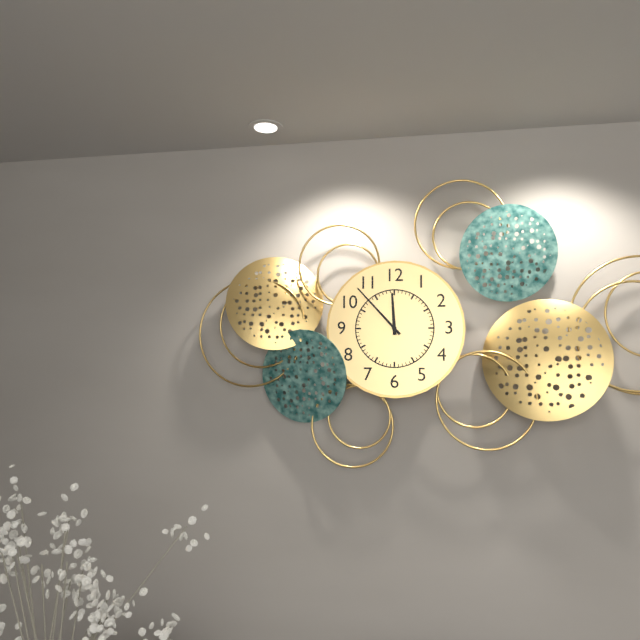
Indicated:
h=11 m=53
